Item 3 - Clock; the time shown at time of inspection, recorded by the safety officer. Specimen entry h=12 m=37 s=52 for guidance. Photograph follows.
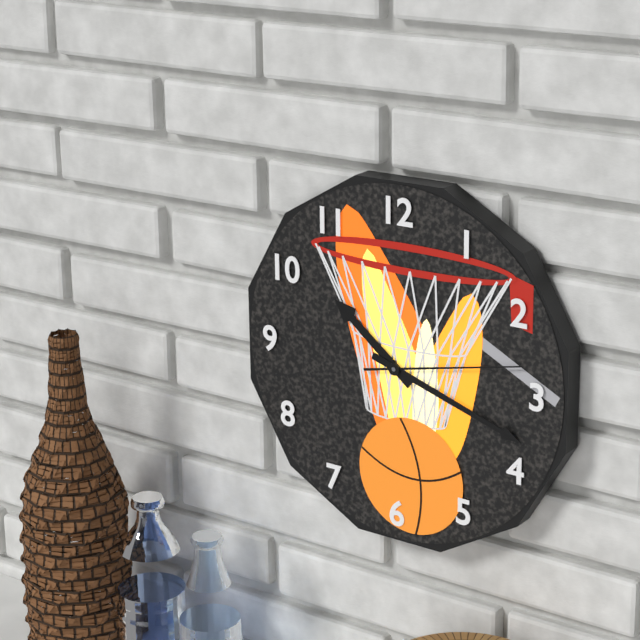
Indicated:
h=10 m=18 s=13
